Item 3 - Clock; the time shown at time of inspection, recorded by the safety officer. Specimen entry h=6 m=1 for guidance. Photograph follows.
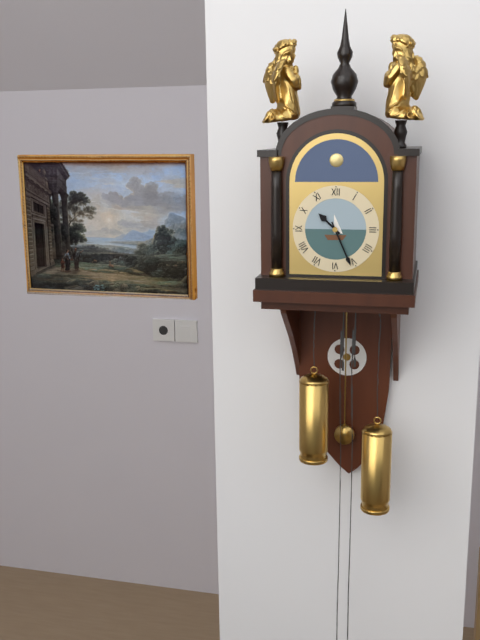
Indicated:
h=10 m=26
